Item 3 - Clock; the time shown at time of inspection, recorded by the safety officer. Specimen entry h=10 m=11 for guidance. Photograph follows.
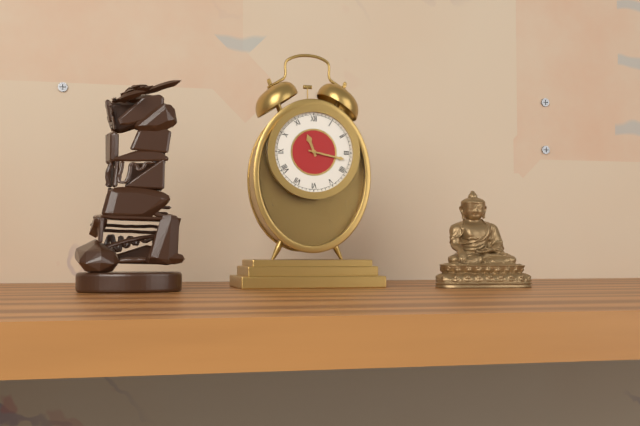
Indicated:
h=11 m=17
